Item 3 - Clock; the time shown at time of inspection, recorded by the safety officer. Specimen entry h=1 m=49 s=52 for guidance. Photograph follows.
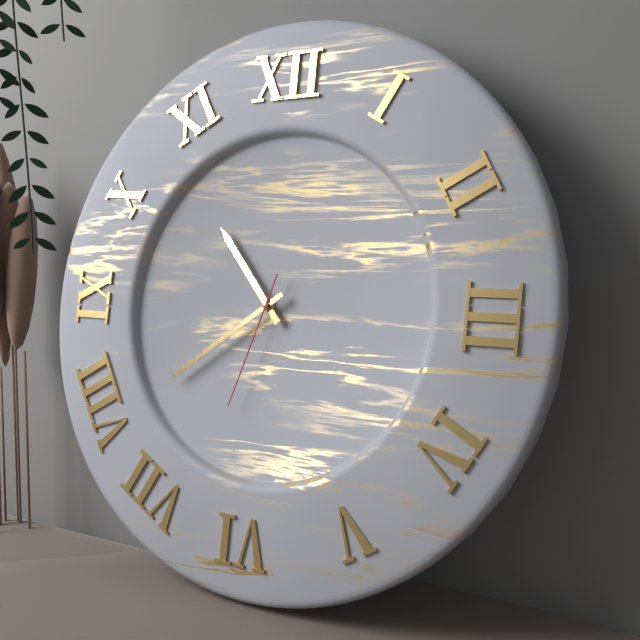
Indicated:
h=10 m=39 s=33
